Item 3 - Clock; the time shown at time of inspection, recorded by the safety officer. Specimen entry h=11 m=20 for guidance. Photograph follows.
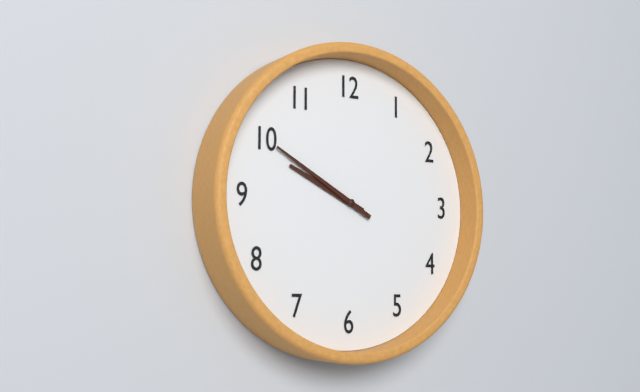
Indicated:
h=9 m=50
